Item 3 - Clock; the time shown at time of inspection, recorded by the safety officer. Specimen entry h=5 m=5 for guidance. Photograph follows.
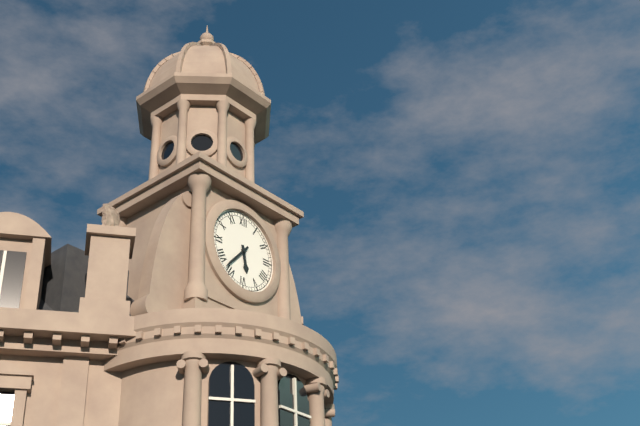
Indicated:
h=5 m=37
